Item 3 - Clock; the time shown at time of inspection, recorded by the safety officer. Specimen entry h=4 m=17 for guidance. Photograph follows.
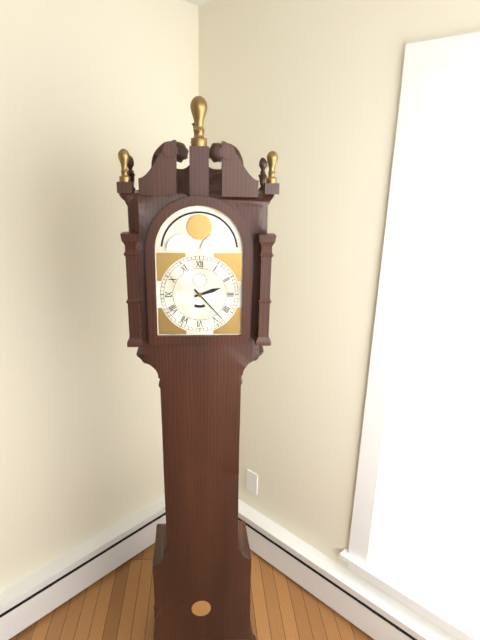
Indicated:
h=2 m=23
